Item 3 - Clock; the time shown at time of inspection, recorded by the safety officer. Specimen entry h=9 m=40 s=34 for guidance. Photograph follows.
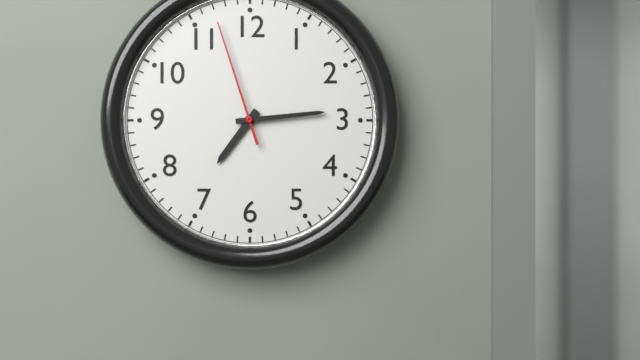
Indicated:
h=7 m=14 s=57
